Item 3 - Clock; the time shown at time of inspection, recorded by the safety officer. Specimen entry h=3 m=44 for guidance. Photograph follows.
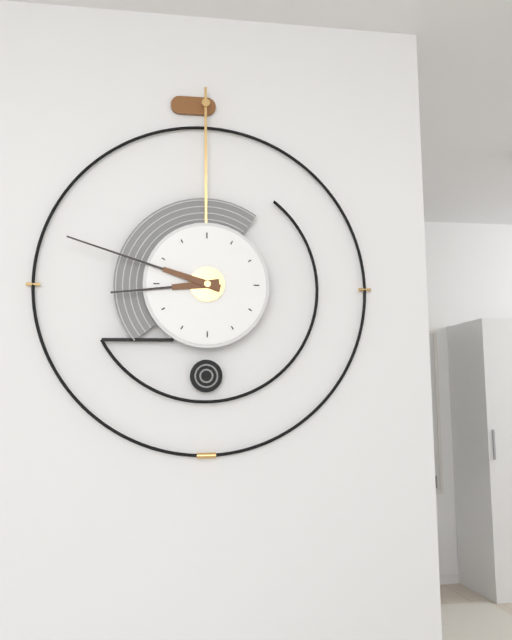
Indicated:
h=8 m=48
